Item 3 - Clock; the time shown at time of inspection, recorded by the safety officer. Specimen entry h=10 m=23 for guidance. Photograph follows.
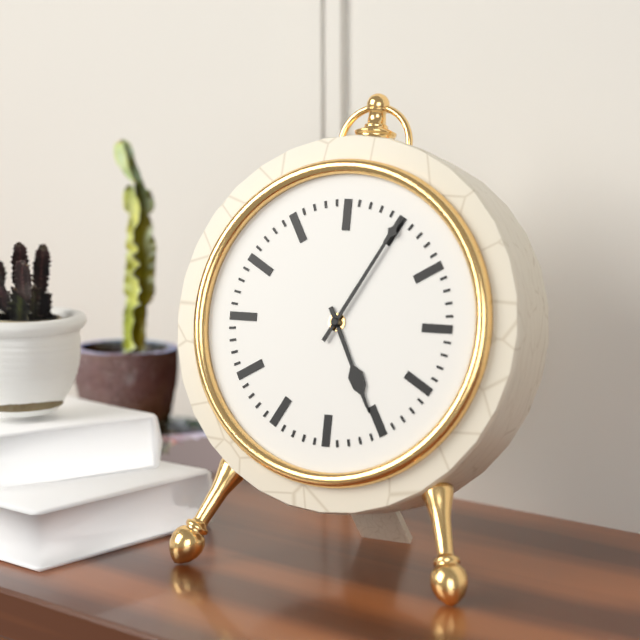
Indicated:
h=5 m=5
